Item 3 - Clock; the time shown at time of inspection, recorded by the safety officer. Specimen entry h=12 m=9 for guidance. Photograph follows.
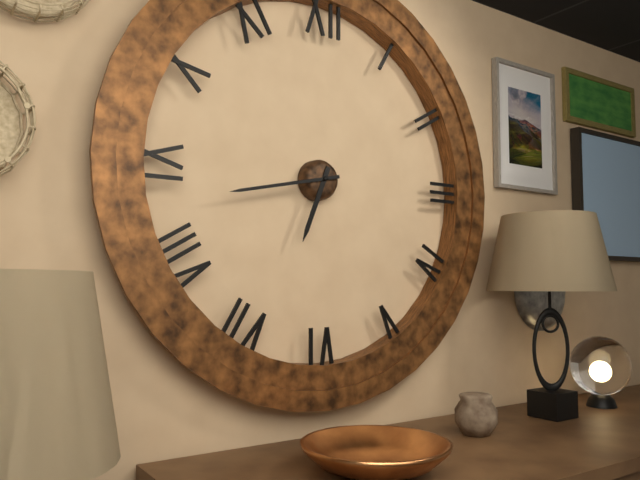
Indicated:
h=6 m=43
